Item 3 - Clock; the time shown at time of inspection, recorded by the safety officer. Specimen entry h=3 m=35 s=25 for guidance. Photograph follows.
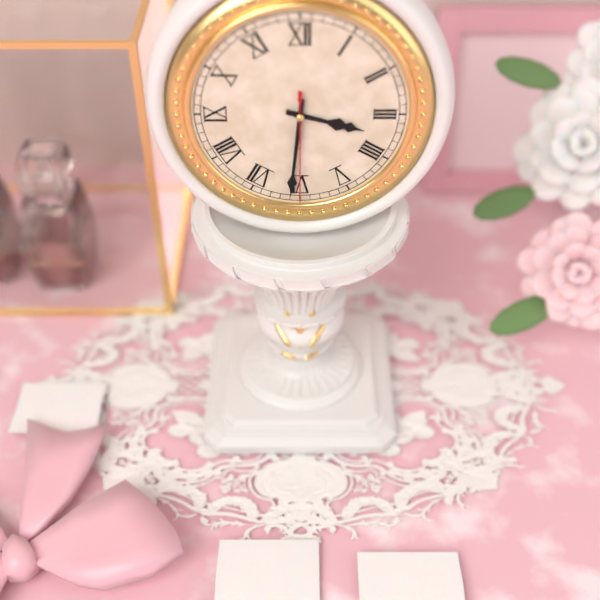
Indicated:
h=3 m=31 s=30
